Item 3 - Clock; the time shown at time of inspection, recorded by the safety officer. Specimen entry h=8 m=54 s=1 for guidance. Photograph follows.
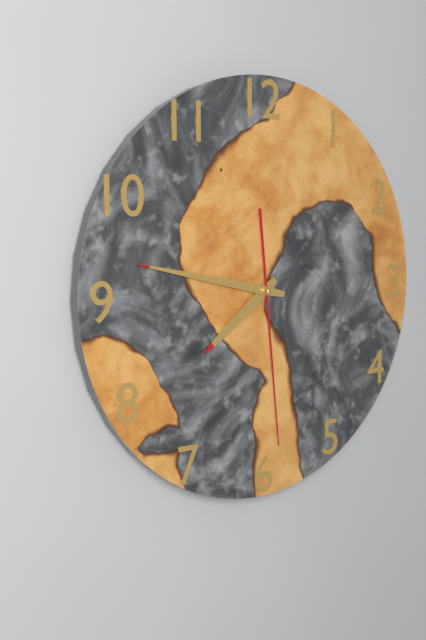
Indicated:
h=7 m=47 s=29
